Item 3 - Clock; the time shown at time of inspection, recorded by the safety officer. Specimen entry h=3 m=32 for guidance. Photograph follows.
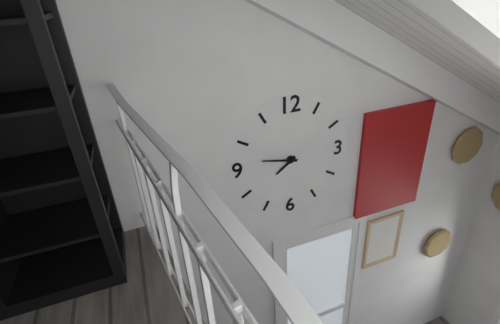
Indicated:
h=7 m=47
